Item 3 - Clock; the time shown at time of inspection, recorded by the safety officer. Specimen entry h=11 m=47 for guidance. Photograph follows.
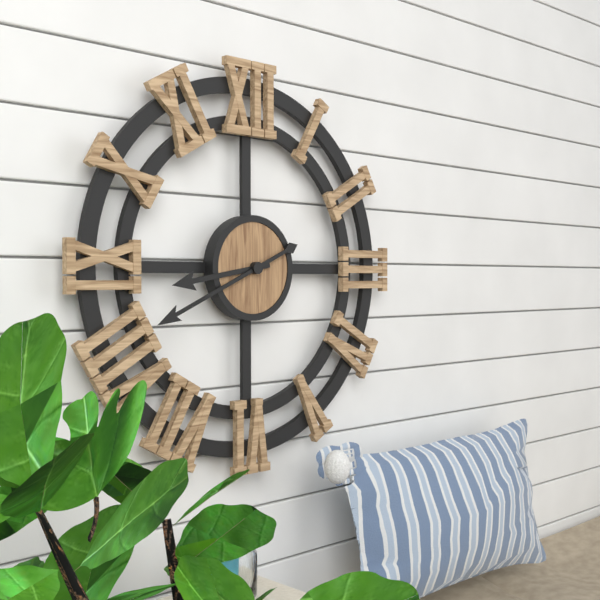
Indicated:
h=8 m=41
